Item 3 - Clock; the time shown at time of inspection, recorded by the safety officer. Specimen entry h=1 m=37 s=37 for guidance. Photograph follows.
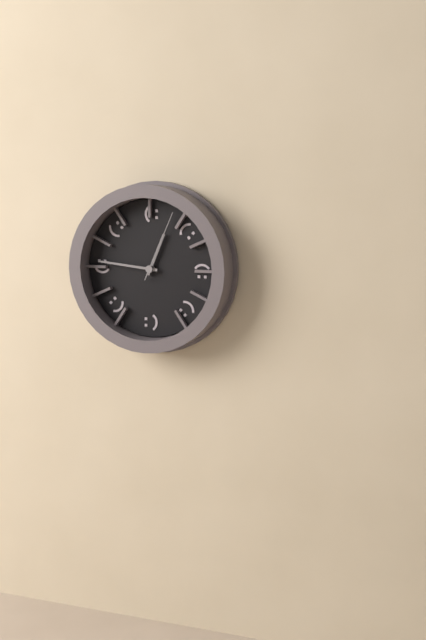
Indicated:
h=12 m=46 s=4
